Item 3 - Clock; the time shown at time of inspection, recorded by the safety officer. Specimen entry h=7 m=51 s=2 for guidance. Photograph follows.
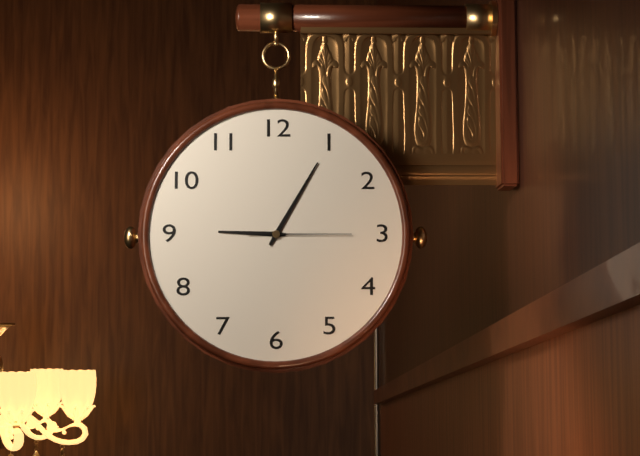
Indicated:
h=9 m=5 s=15
